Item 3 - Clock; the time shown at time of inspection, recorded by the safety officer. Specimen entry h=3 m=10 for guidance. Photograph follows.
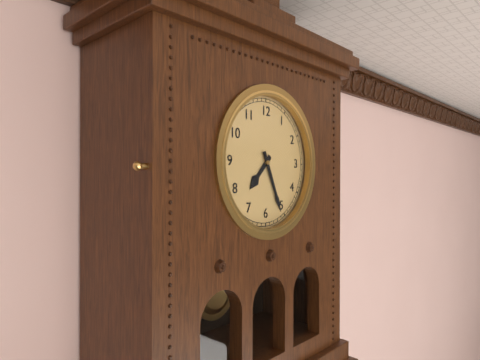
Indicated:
h=7 m=26
